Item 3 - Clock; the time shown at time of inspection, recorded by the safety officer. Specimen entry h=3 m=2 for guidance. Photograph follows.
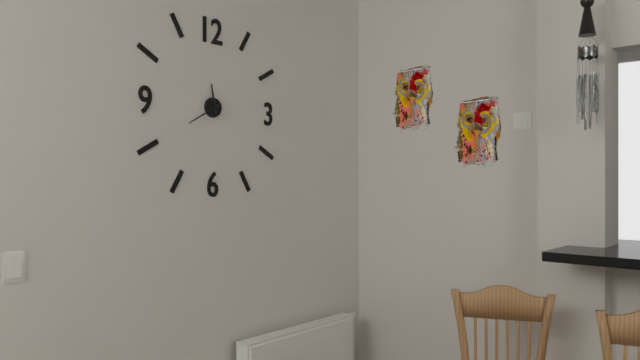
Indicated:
h=11 m=40
